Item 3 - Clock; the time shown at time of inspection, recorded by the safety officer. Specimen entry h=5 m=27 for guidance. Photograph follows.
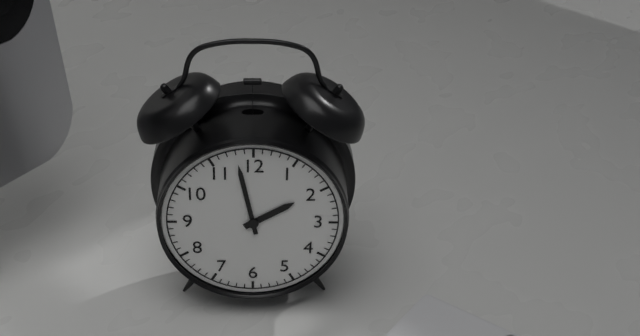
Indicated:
h=1 m=58
